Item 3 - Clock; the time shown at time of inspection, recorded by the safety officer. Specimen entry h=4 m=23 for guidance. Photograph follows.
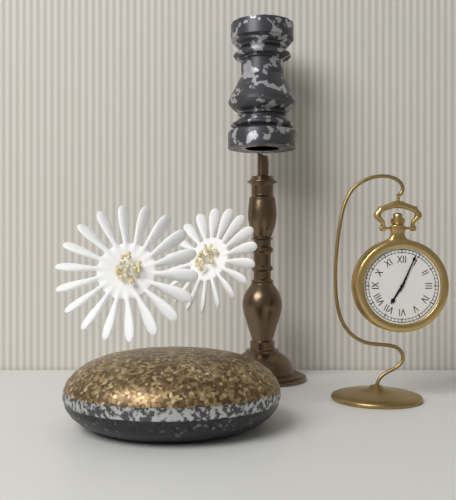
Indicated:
h=7 m=4
